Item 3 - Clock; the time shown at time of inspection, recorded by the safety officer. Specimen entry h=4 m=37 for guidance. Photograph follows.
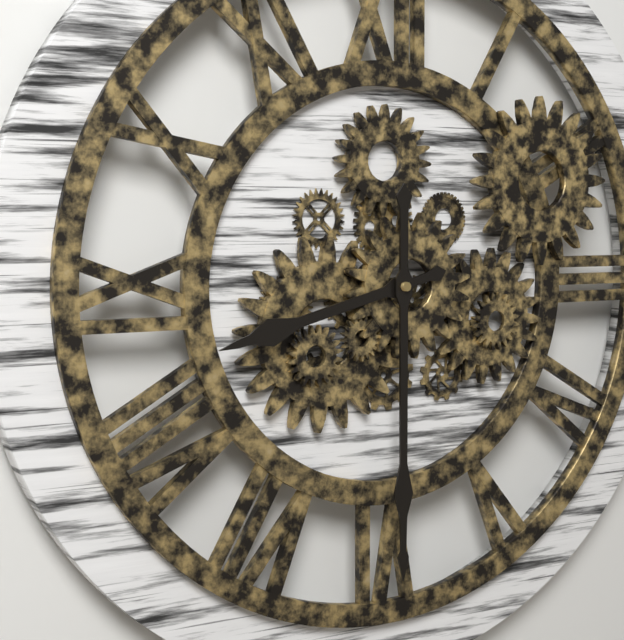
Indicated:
h=8 m=30
